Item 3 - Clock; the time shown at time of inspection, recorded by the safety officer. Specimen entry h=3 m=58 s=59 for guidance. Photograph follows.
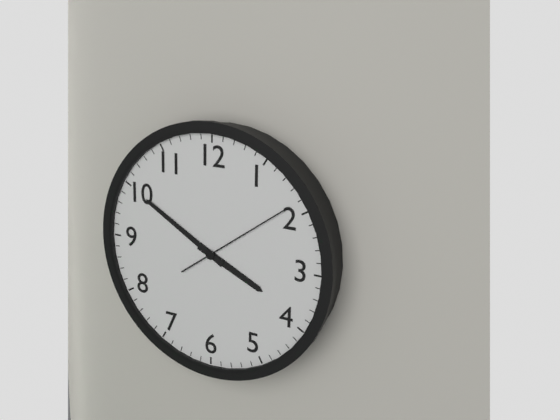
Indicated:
h=3 m=50 s=9
